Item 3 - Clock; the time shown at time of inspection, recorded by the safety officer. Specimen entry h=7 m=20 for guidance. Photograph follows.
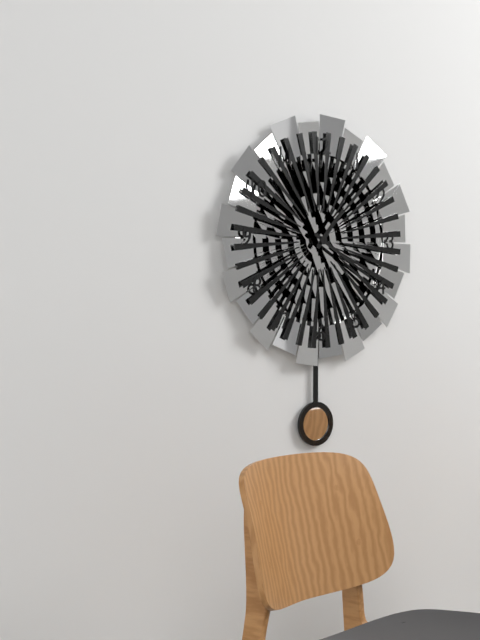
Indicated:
h=1 m=20
